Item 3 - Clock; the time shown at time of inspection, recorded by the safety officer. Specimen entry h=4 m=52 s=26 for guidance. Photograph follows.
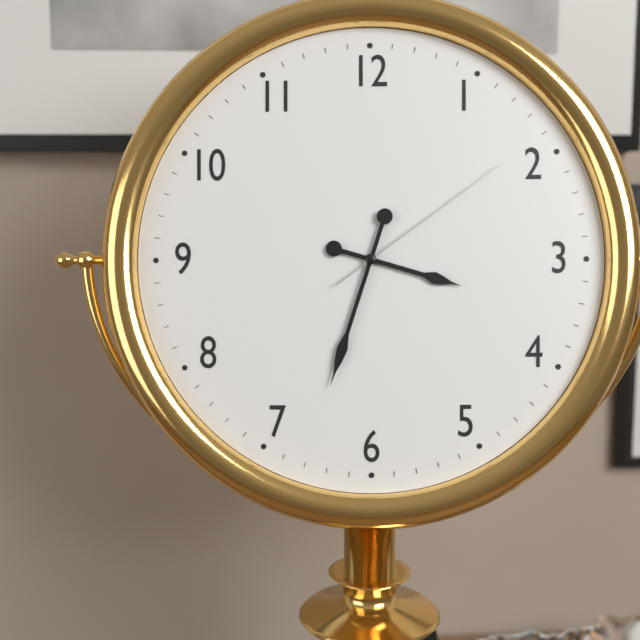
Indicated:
h=3 m=33 s=9
